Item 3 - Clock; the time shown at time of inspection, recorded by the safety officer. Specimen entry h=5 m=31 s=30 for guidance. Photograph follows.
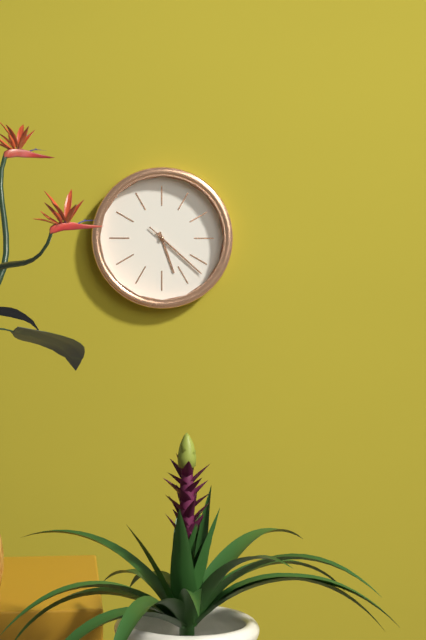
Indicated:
h=5 m=22 s=22
